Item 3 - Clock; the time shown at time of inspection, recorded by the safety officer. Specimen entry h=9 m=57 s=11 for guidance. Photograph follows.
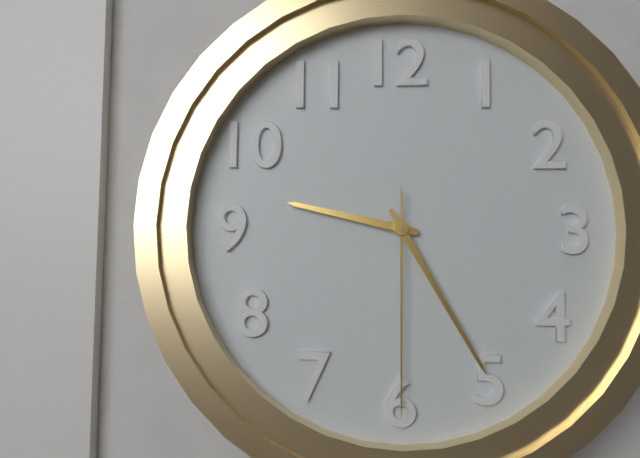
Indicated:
h=9 m=25 s=30
